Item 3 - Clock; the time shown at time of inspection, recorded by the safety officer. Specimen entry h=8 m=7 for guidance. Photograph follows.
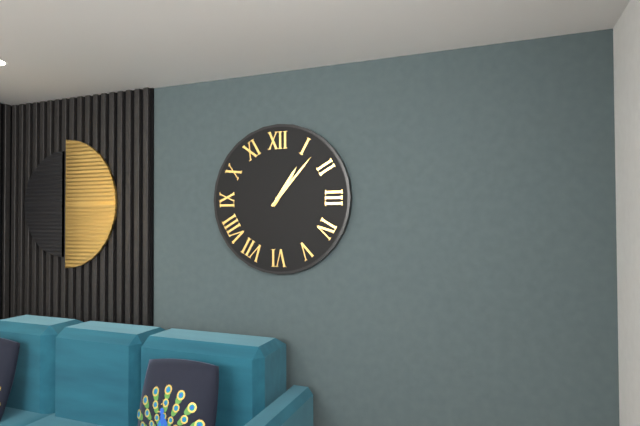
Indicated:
h=1 m=7
